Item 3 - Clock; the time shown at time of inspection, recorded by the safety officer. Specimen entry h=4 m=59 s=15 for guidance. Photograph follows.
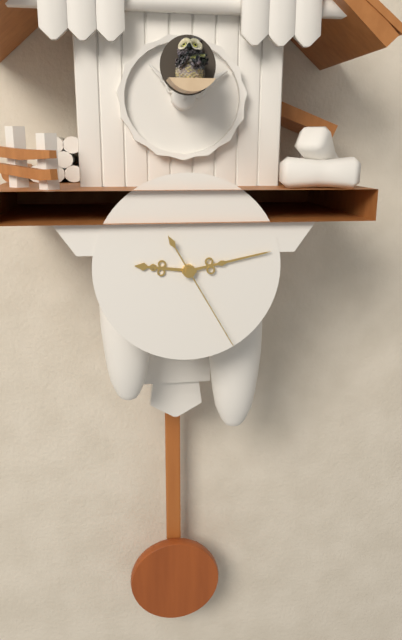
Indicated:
h=9 m=13 s=25
